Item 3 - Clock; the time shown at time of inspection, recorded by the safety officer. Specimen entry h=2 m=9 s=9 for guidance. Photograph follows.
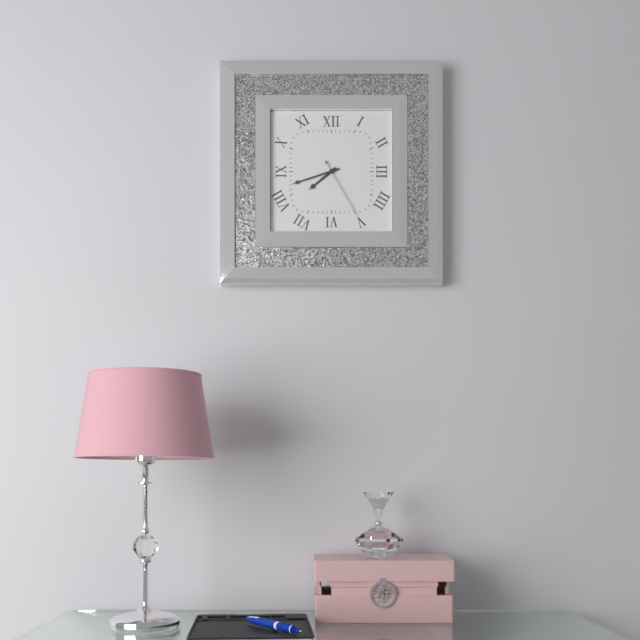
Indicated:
h=7 m=42 s=25
